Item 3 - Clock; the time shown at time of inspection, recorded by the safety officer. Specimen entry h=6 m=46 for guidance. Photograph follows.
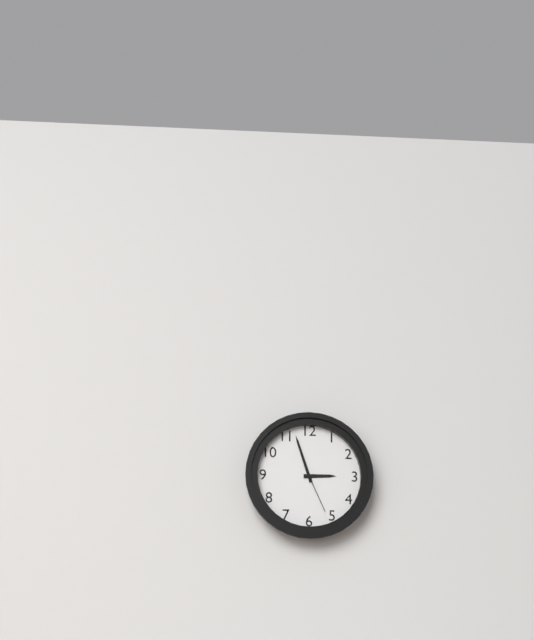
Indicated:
h=2 m=57
